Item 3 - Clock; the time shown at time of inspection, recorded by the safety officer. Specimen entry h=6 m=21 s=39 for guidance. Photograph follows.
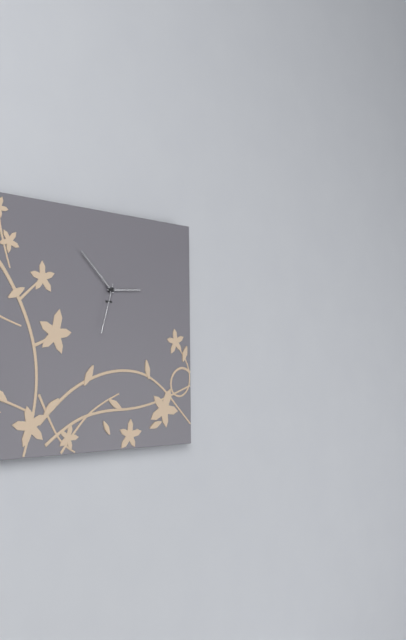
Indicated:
h=2 m=52 s=33
